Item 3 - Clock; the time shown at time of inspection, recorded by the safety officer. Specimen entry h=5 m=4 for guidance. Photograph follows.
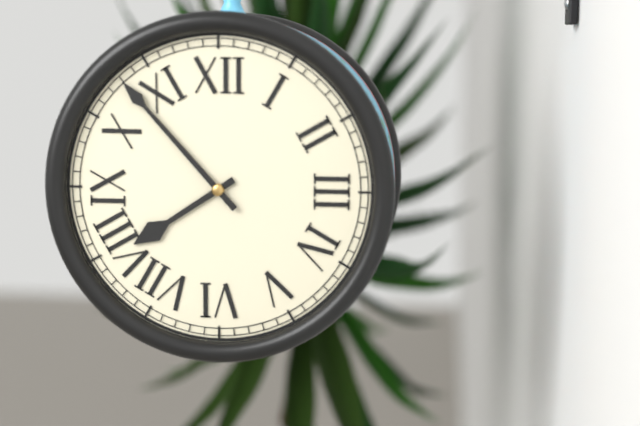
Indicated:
h=7 m=53
